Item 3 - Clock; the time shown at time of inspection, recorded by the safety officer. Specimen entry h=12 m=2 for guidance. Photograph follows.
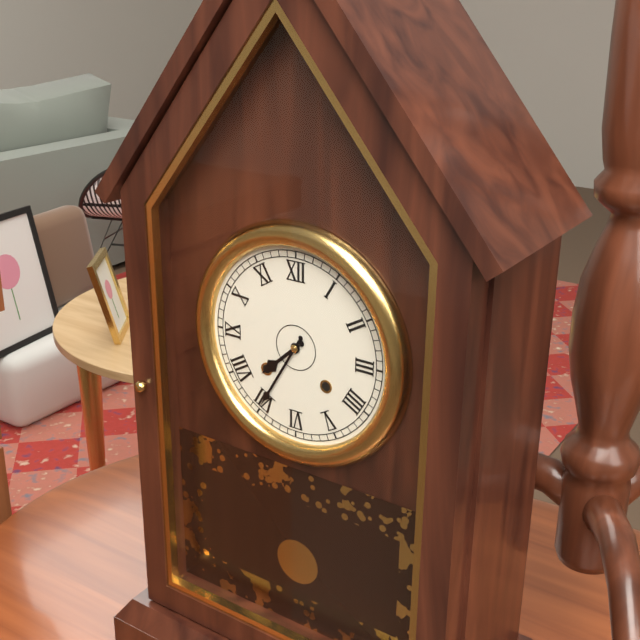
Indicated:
h=7 m=35
